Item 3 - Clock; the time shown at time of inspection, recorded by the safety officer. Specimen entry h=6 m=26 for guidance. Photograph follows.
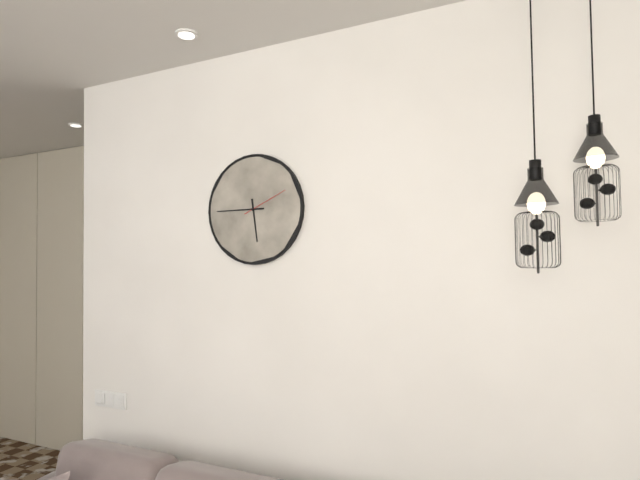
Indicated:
h=5 m=45
